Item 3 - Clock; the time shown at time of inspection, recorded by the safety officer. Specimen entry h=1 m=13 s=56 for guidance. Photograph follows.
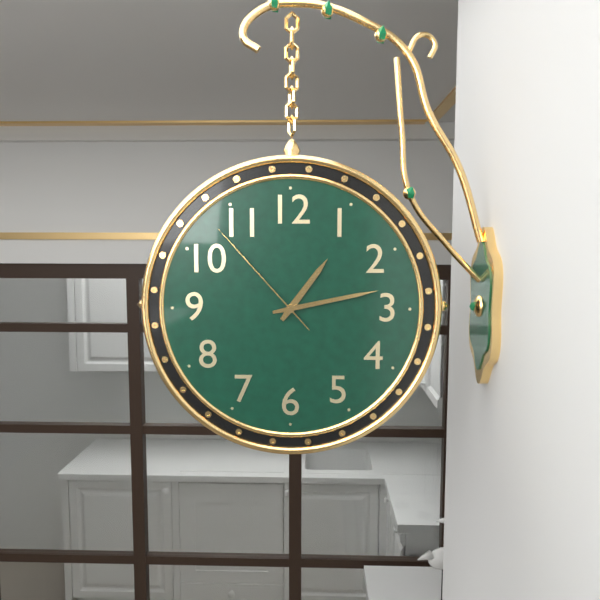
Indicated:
h=1 m=13 s=53
